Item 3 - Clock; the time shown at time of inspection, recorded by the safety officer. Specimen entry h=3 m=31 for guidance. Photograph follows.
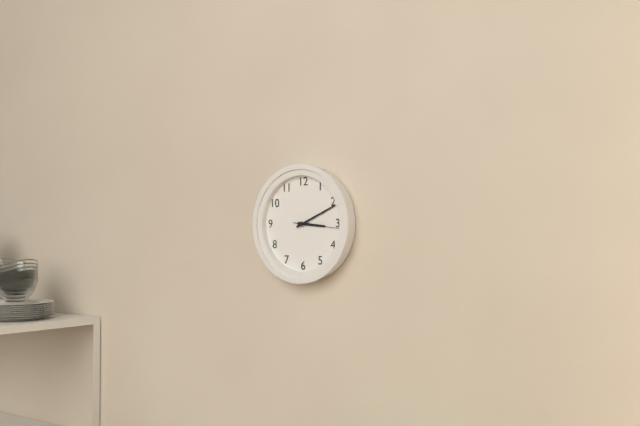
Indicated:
h=3 m=11
